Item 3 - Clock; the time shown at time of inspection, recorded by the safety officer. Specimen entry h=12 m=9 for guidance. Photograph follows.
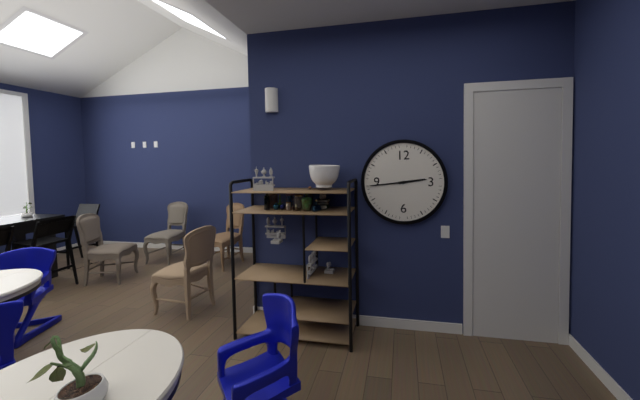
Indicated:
h=2 m=44
